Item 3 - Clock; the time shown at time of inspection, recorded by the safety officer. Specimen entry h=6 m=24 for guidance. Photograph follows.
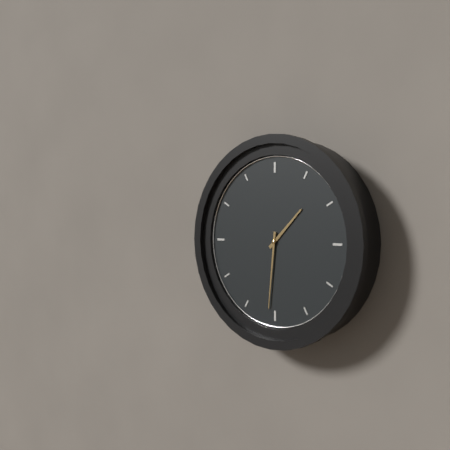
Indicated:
h=1 m=31
